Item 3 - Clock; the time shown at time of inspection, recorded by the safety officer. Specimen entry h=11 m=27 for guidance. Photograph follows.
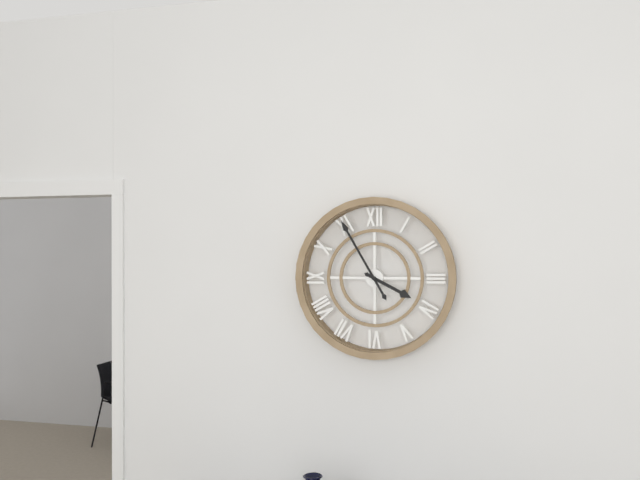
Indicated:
h=3 m=55
